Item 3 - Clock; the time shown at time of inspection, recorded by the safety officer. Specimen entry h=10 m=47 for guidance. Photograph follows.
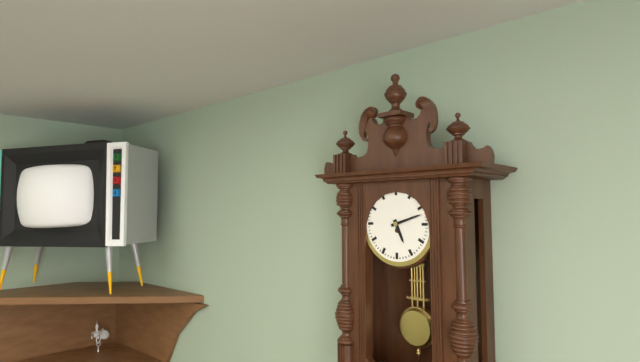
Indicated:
h=5 m=12
